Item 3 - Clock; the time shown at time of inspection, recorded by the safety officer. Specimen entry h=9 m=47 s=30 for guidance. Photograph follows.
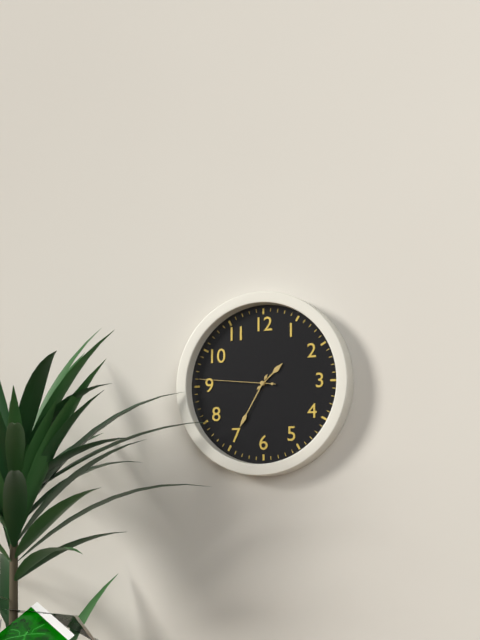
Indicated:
h=1 m=35 s=46
